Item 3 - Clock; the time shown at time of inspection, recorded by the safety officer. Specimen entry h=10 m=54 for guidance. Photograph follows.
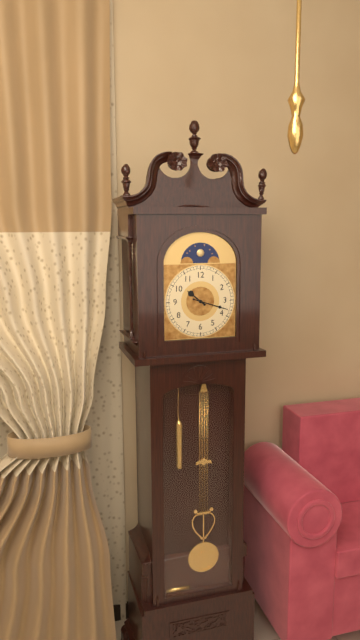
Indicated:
h=10 m=18
